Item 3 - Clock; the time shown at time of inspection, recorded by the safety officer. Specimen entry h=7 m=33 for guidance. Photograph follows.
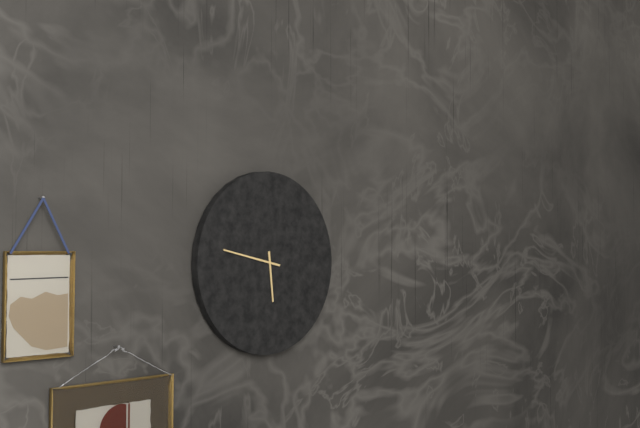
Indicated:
h=5 m=47
